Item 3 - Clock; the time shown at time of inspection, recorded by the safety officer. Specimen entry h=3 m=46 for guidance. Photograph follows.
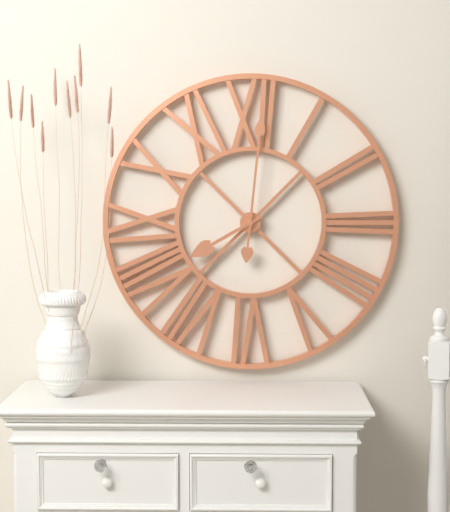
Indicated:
h=8 m=1
